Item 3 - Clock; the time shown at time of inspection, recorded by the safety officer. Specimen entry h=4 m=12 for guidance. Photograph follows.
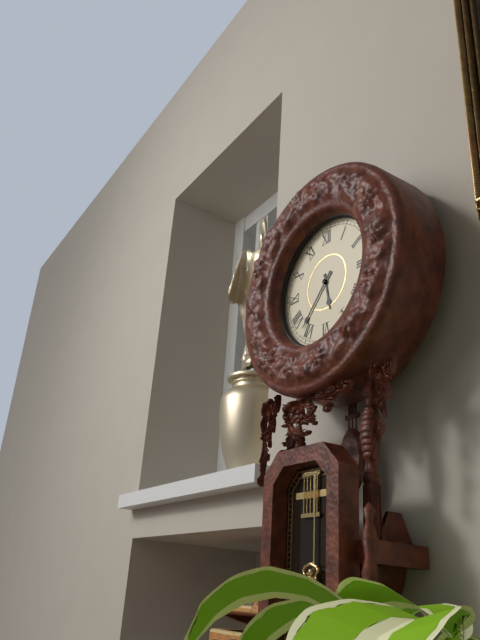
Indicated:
h=5 m=37
